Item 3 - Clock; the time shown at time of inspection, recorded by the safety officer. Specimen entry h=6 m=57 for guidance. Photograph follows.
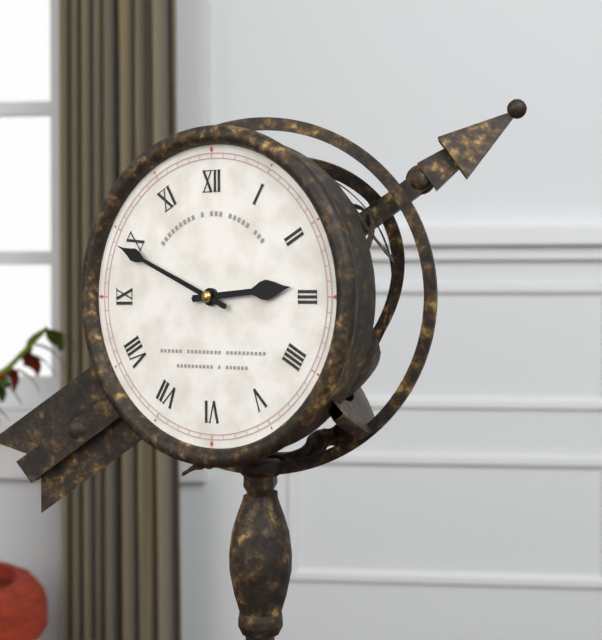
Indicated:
h=2 m=49
